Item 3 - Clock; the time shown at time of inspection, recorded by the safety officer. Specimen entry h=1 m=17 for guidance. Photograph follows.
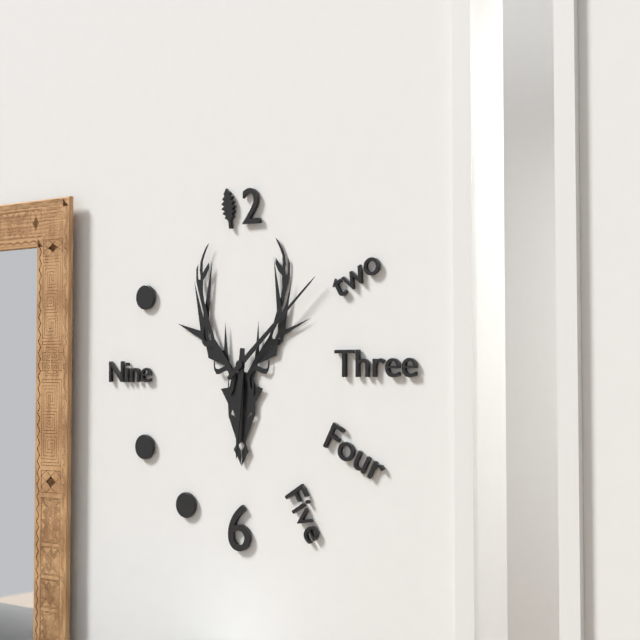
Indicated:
h=6 m=8
